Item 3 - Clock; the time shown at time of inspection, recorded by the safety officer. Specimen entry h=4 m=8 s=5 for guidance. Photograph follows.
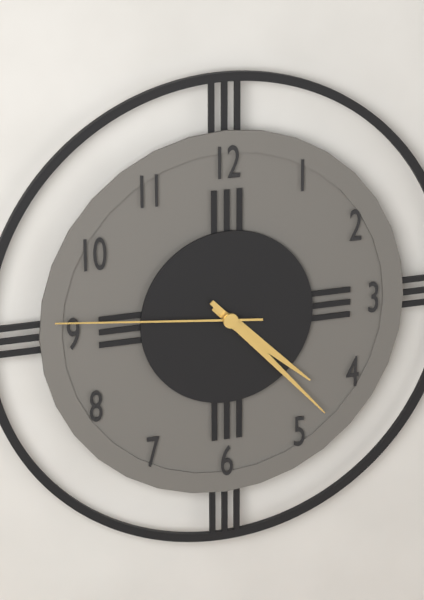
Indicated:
h=4 m=23 s=46
